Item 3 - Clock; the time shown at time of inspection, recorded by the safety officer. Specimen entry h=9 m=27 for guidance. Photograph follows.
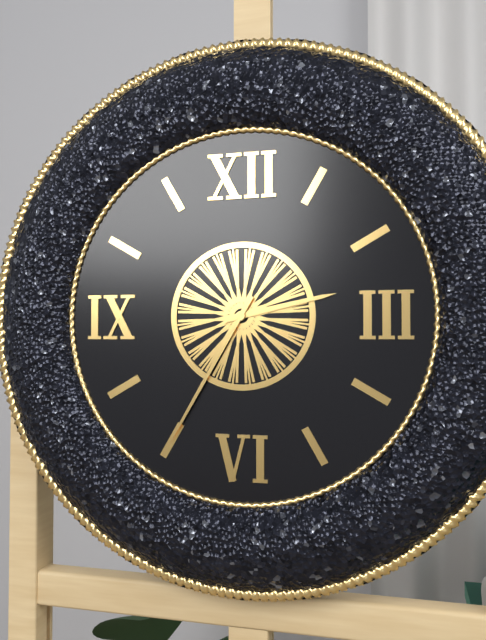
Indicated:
h=2 m=35
